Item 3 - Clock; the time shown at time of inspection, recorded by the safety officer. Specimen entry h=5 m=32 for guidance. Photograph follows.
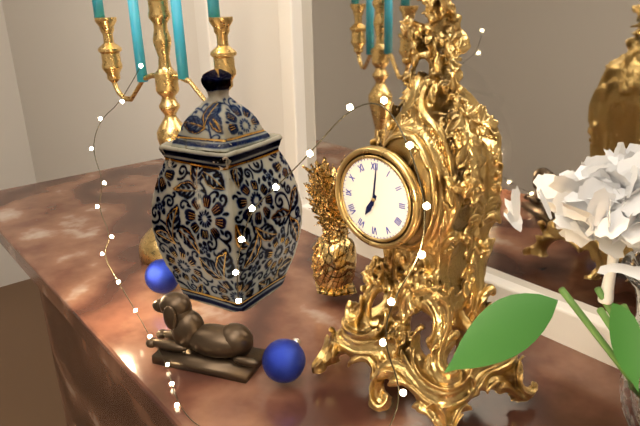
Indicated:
h=7 m=1
